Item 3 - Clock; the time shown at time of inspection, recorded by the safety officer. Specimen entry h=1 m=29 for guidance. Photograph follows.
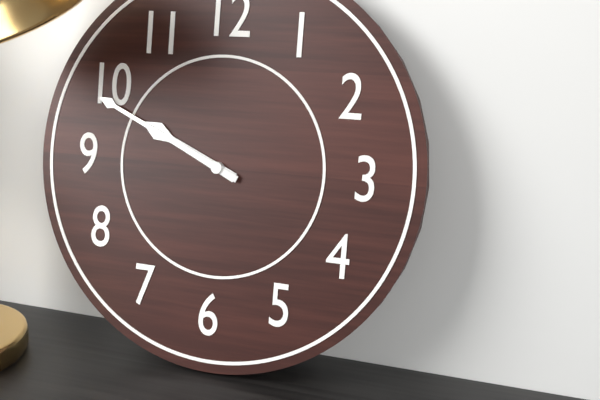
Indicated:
h=9 m=49
